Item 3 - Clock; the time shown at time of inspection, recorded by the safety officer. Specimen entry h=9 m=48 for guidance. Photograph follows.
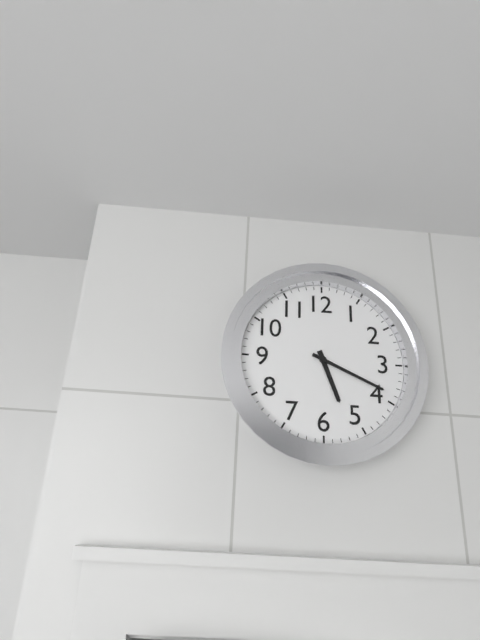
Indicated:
h=5 m=19
